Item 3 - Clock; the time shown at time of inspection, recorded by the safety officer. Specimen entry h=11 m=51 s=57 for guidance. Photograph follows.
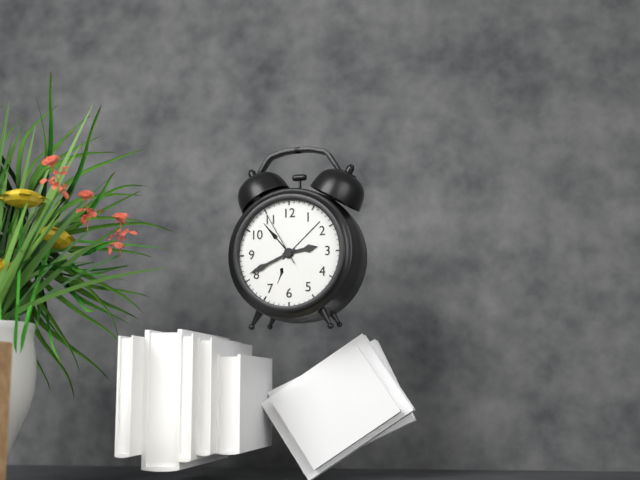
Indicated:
h=2 m=41 s=55
